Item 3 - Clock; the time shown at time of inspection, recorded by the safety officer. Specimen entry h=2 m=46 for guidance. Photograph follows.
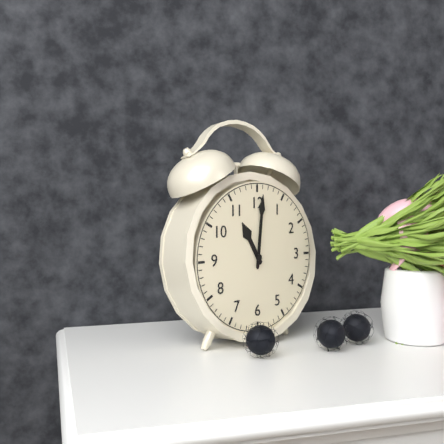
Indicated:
h=11 m=1
